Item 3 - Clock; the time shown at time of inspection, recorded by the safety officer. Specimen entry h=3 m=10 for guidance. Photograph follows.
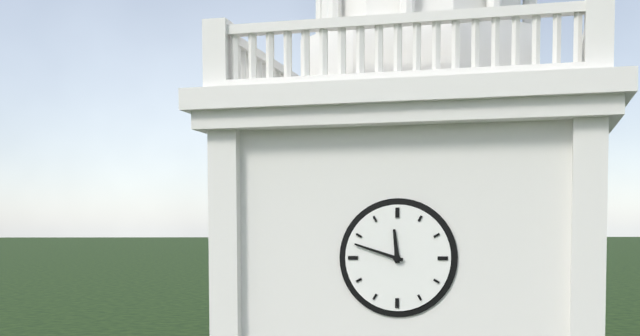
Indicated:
h=11 m=48
